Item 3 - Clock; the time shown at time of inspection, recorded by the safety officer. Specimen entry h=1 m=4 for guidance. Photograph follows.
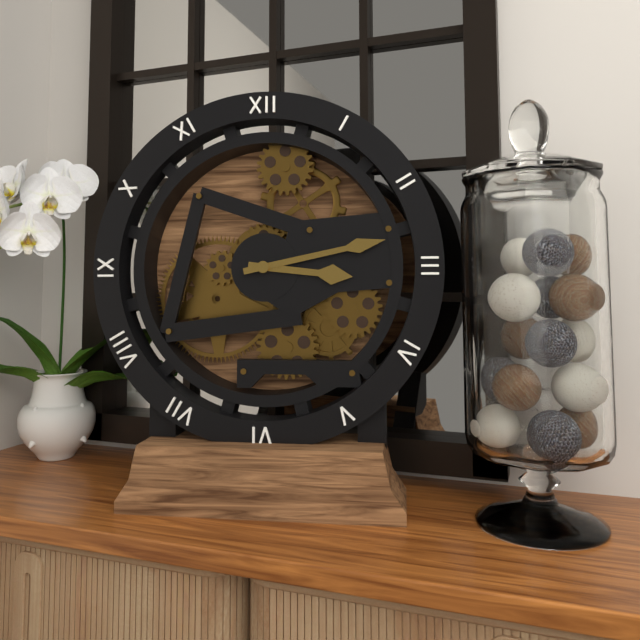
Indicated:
h=3 m=13
